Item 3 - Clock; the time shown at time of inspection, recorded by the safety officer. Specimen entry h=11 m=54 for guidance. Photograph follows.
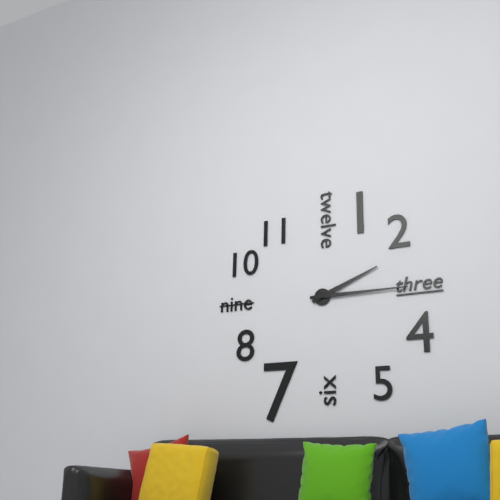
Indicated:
h=2 m=15
